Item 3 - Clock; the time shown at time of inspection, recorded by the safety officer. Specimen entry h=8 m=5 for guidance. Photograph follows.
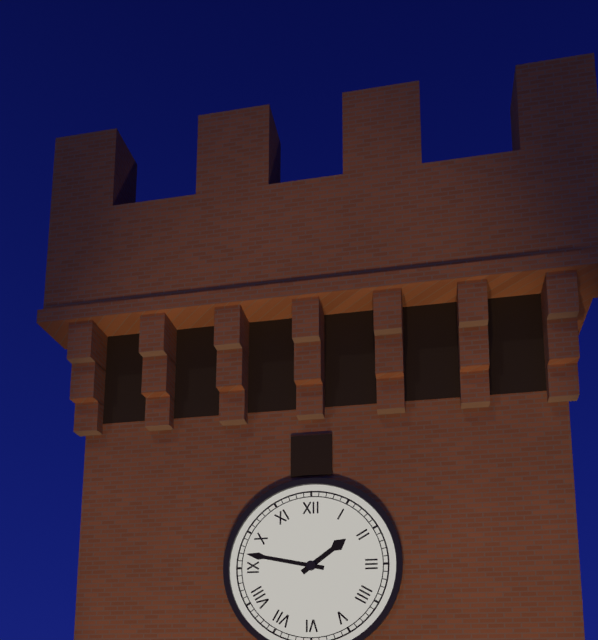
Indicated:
h=1 m=47
